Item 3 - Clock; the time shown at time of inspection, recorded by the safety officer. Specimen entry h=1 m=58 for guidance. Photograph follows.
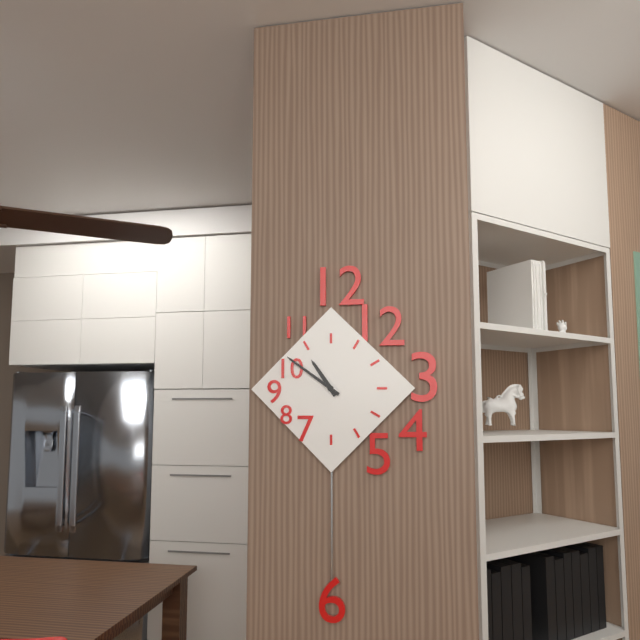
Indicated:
h=10 m=51
